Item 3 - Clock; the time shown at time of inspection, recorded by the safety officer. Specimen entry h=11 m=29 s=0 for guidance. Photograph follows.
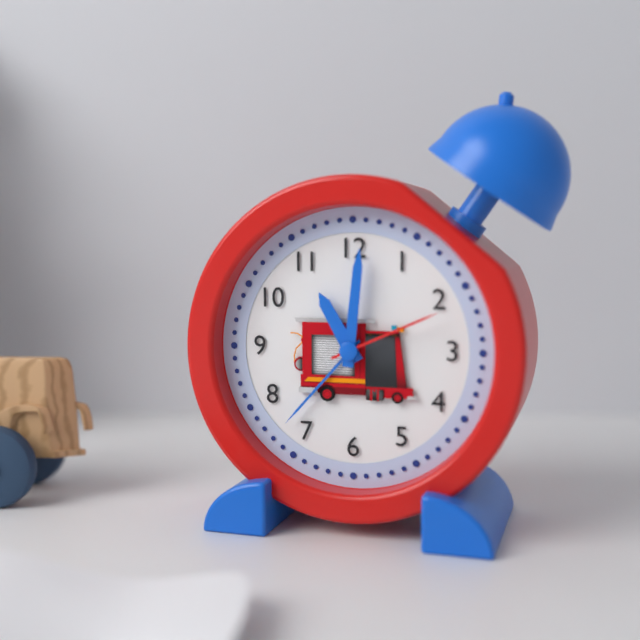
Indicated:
h=11 m=1 s=11
